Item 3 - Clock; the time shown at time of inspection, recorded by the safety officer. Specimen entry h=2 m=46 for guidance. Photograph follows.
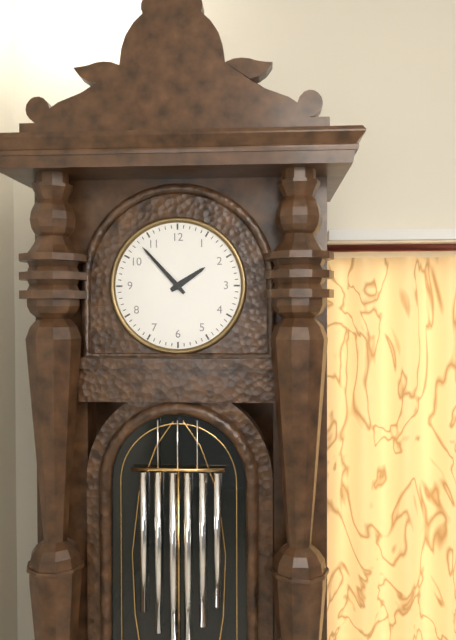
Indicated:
h=1 m=53
